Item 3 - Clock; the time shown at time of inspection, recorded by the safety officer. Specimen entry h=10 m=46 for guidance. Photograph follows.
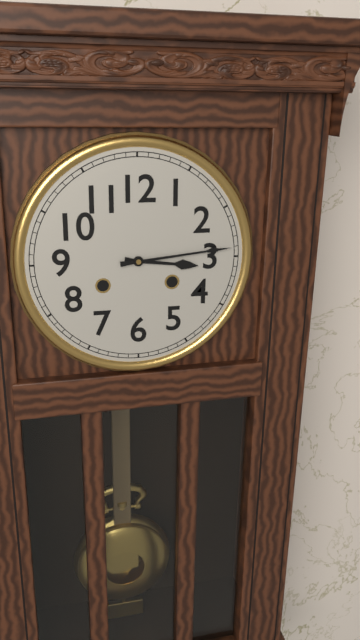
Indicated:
h=3 m=14
